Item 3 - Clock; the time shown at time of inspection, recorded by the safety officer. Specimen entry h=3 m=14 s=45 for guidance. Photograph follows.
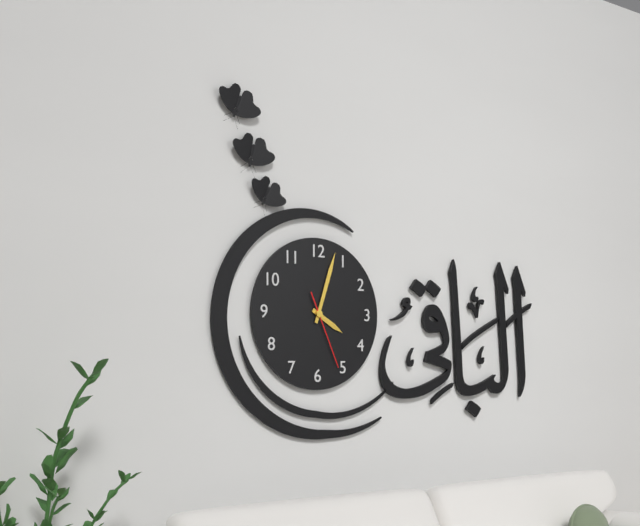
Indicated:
h=4 m=3 s=26
